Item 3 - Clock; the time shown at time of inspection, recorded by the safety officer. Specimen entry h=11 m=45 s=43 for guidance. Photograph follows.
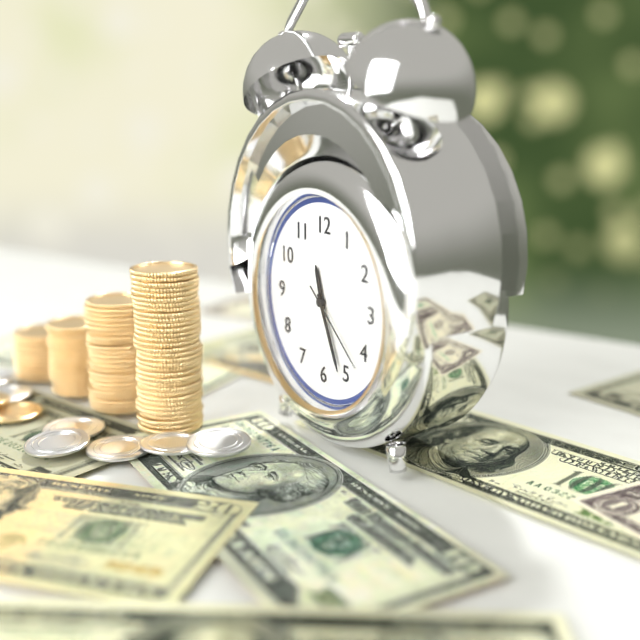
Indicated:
h=11 m=26 s=22
